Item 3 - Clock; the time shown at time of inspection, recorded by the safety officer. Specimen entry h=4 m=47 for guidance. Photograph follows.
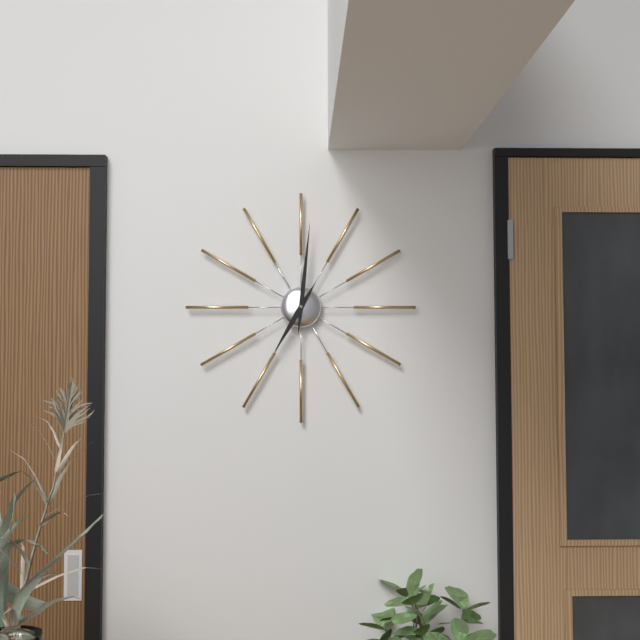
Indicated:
h=7 m=1
